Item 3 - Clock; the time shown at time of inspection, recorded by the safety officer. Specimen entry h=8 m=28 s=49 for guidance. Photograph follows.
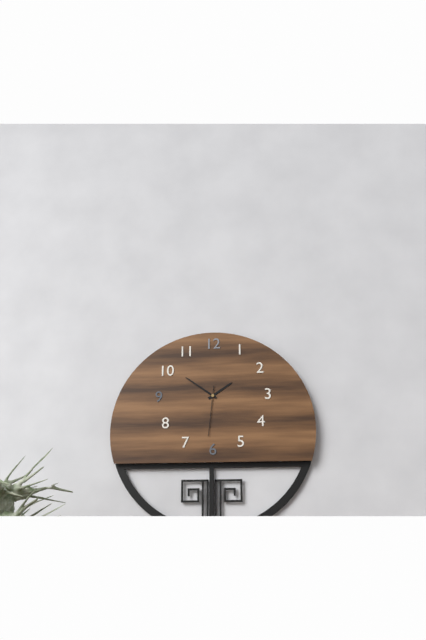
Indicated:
h=1 m=51 s=31
